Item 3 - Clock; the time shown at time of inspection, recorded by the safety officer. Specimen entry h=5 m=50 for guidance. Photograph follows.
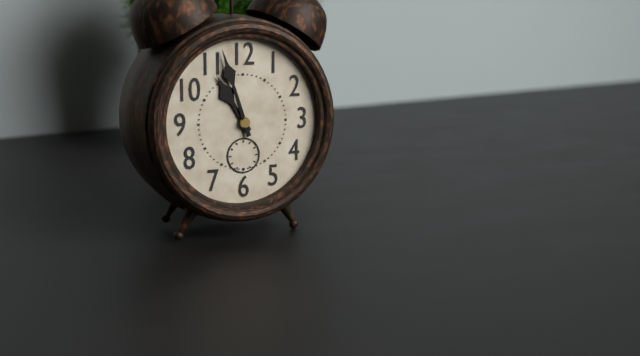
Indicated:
h=10 m=57
